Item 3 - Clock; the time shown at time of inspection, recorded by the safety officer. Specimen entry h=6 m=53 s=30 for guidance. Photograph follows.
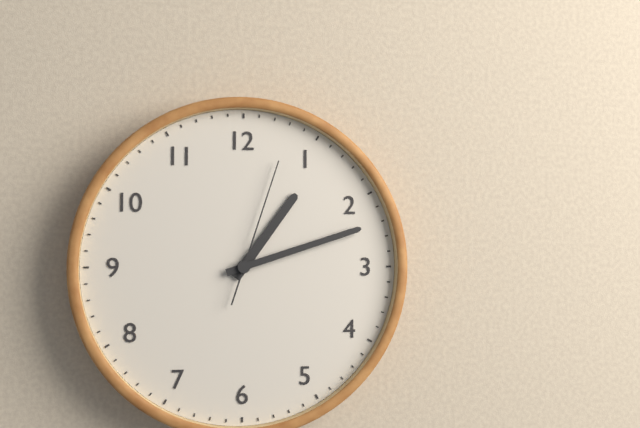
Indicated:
h=1 m=12 s=3
